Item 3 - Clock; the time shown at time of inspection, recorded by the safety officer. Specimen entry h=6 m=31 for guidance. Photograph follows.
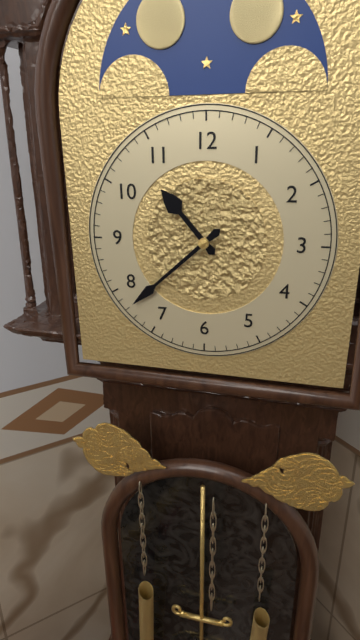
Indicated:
h=10 m=38
